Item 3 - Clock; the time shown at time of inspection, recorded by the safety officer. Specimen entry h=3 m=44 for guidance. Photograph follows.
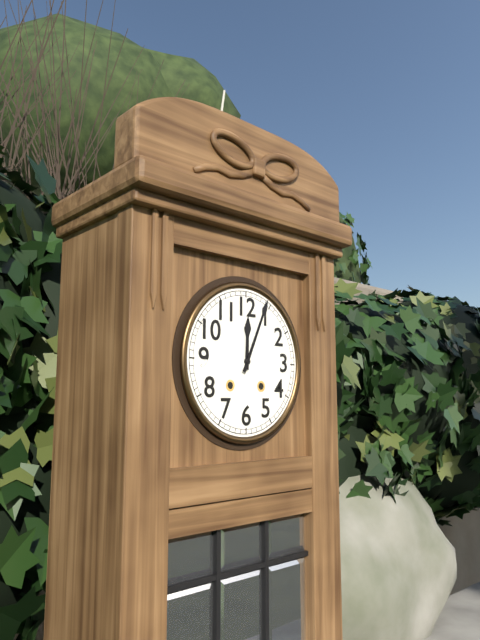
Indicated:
h=12 m=4
